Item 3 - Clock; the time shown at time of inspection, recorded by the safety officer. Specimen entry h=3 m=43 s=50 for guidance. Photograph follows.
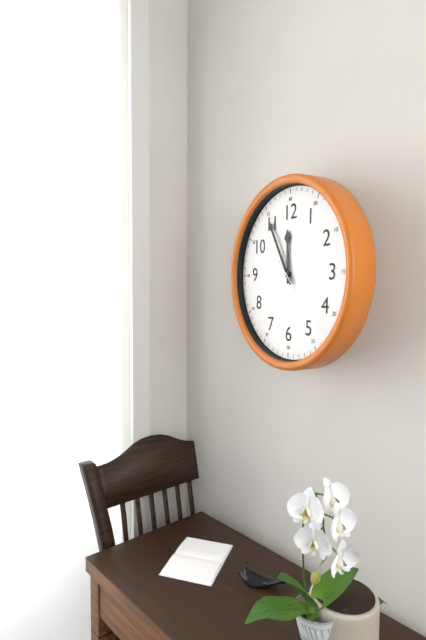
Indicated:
h=11 m=55 s=23
